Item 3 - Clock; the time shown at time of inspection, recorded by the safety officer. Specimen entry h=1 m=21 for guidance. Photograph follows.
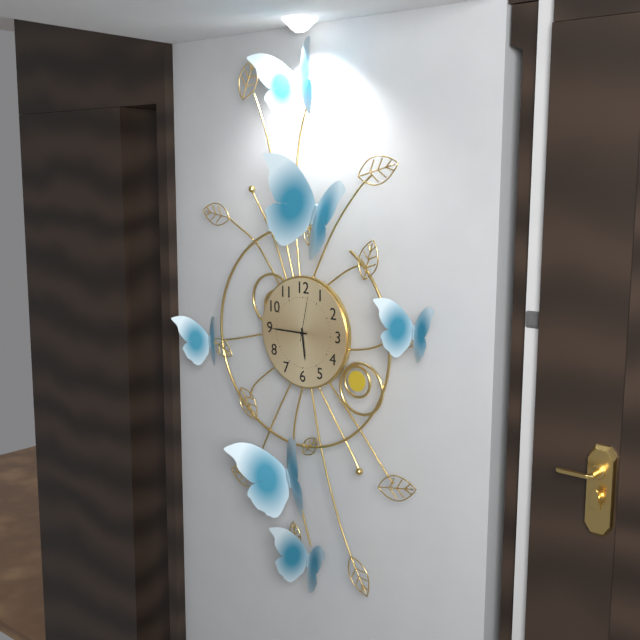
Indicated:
h=5 m=45
